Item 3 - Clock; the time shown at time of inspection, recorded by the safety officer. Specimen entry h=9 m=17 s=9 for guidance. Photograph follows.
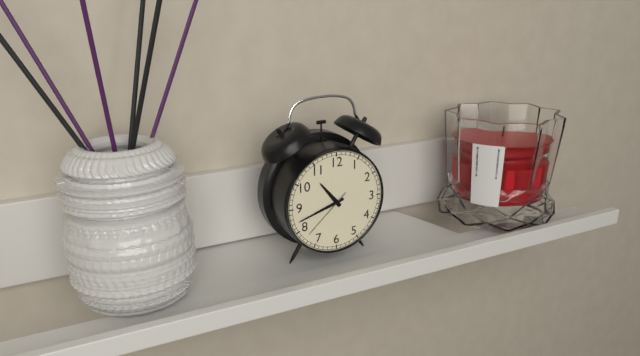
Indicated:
h=10 m=42 s=38
